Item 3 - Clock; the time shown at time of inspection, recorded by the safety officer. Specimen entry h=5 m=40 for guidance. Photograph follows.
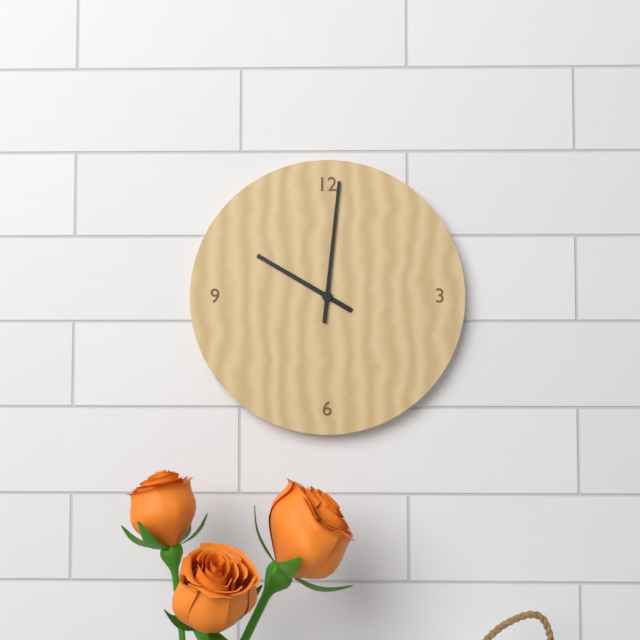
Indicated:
h=10 m=1
